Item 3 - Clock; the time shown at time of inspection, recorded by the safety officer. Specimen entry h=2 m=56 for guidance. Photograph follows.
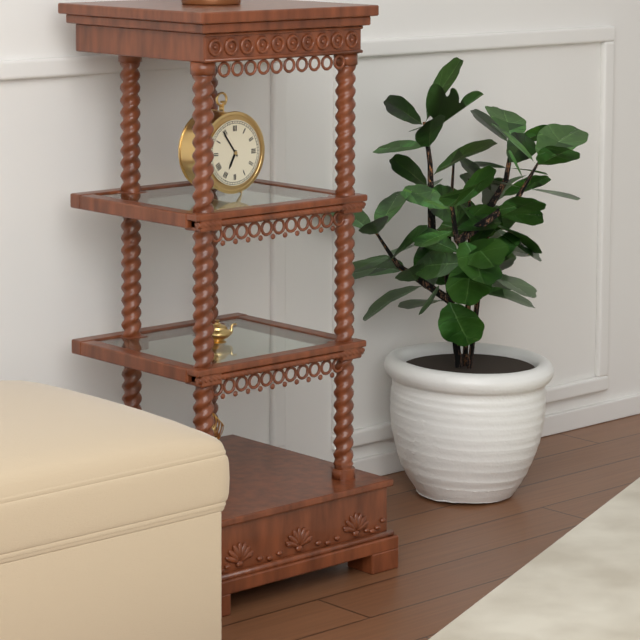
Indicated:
h=6 m=54
